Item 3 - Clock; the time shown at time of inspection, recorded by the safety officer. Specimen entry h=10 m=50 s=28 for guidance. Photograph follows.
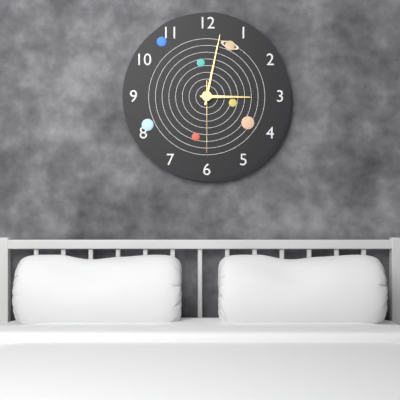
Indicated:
h=3 m=2 s=30
